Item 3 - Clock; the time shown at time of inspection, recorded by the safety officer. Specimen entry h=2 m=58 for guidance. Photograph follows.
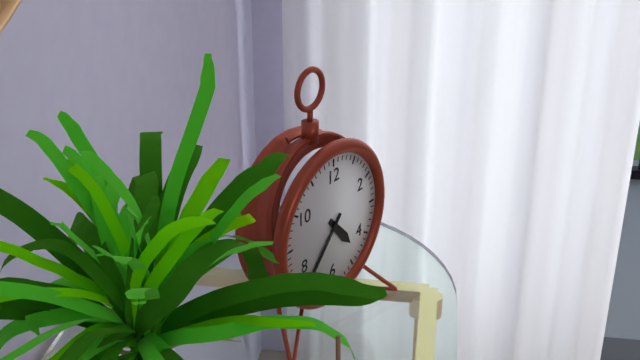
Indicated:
h=4 m=37
